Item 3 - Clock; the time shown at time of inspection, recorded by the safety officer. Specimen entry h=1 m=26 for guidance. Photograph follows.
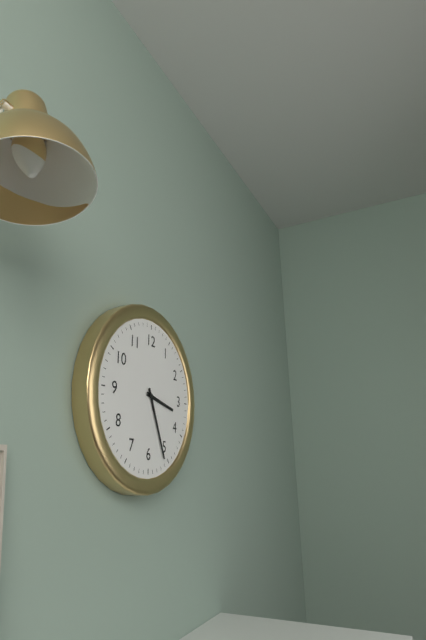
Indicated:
h=3 m=26
